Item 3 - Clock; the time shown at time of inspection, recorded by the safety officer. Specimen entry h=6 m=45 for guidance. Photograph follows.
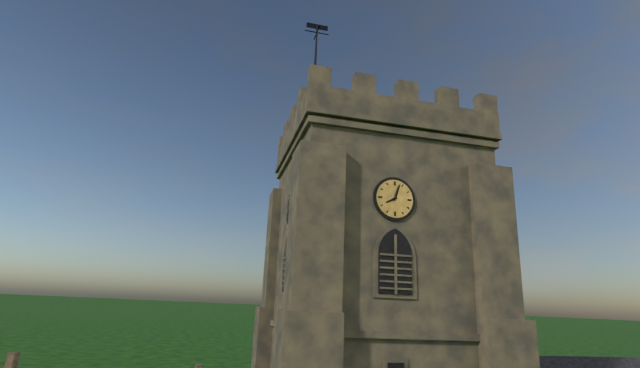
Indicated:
h=8 m=3
